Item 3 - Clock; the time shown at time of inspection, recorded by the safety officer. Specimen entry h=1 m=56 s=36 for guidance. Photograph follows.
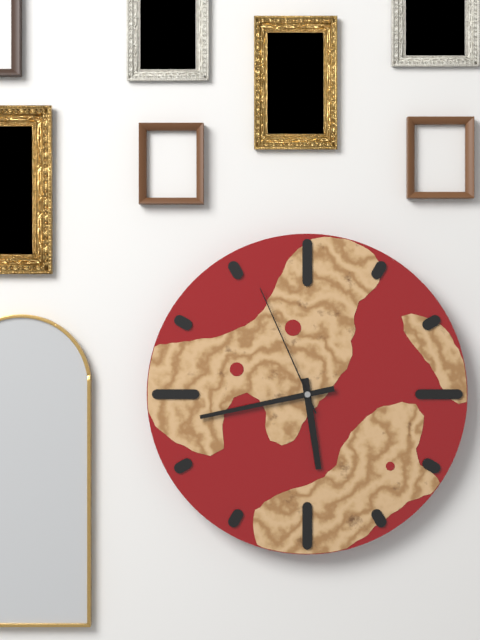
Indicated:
h=5 m=43 s=56
